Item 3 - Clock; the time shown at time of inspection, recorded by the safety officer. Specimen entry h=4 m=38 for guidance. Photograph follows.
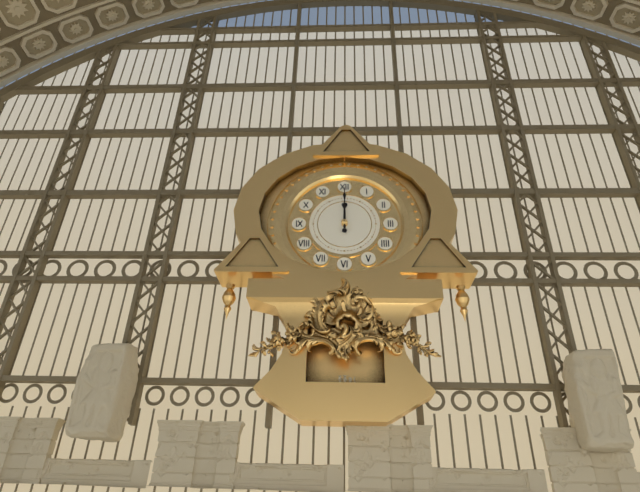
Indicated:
h=12 m=0
